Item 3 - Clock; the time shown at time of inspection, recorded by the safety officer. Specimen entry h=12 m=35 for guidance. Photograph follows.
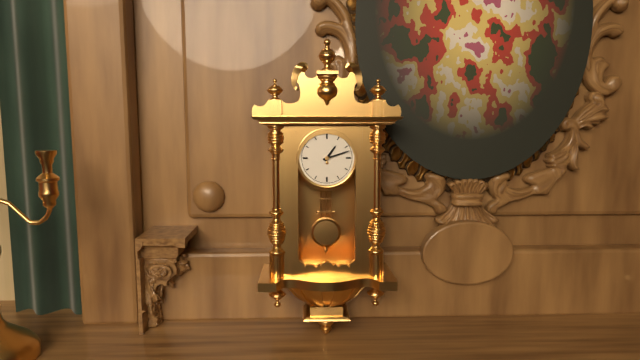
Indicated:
h=1 m=12
